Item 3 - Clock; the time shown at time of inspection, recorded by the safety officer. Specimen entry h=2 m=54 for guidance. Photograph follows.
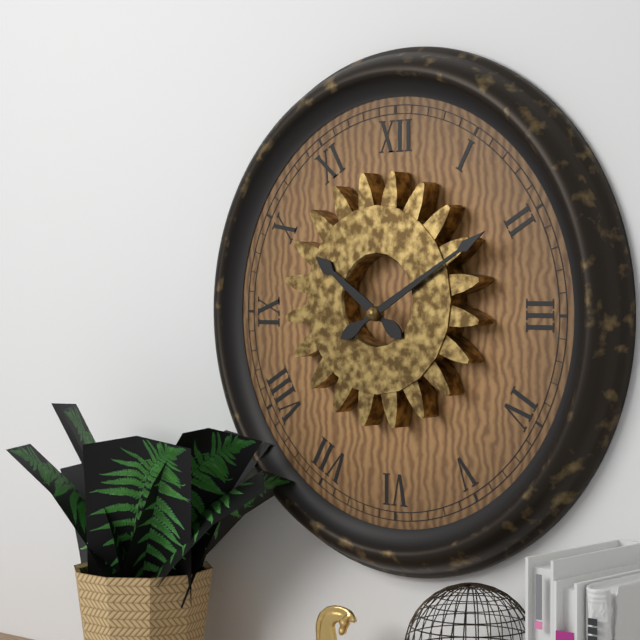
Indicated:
h=10 m=10
